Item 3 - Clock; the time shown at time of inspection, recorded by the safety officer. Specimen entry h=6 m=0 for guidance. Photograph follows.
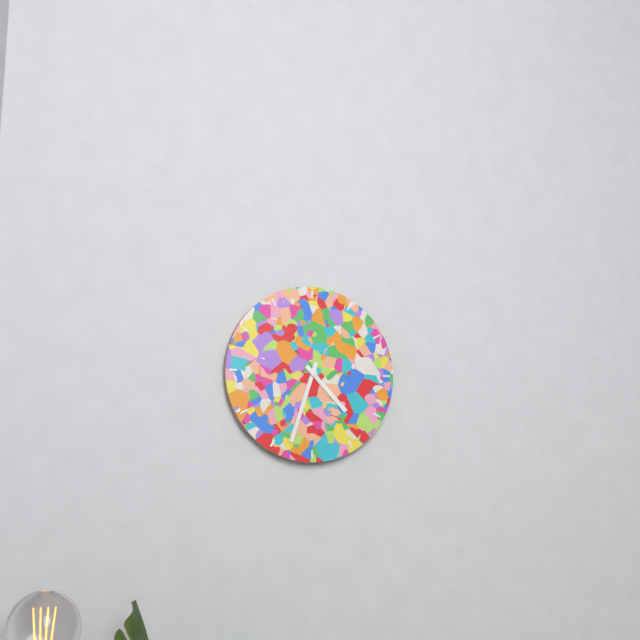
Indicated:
h=4 m=33
